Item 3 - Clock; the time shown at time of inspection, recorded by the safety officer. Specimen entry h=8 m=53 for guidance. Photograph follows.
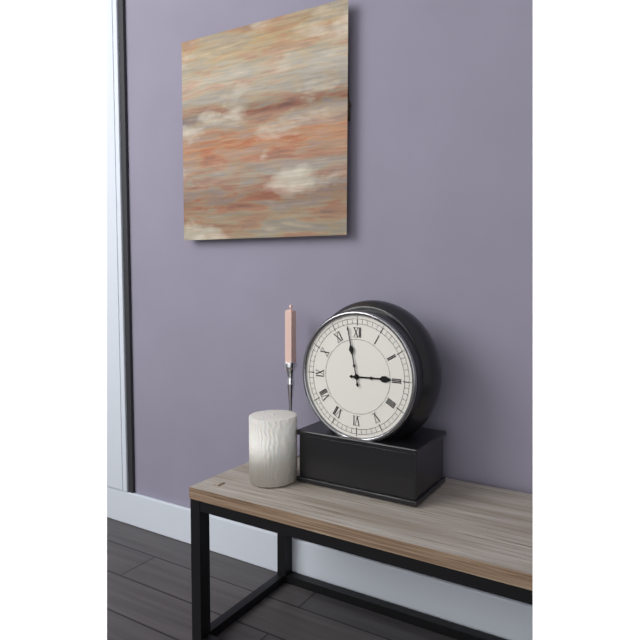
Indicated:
h=2 m=58
